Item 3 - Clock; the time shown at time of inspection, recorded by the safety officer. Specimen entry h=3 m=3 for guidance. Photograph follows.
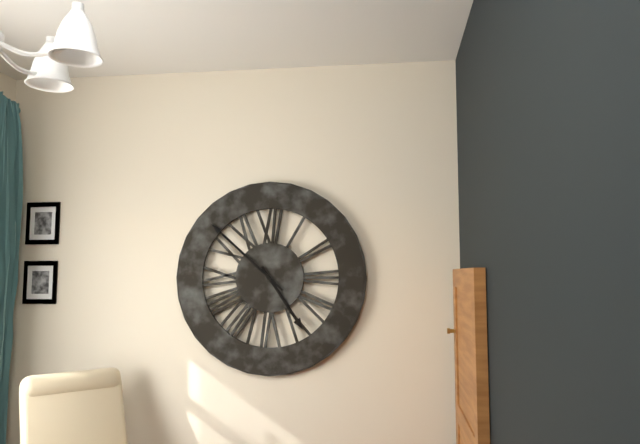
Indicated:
h=4 m=52
